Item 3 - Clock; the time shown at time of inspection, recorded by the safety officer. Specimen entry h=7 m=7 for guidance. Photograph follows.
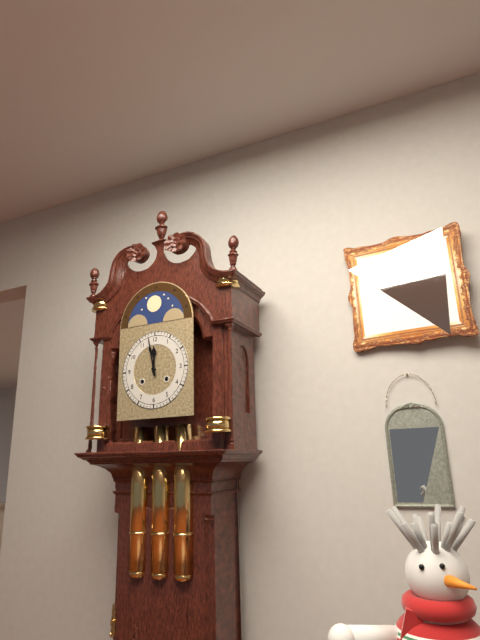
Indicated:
h=11 m=58
